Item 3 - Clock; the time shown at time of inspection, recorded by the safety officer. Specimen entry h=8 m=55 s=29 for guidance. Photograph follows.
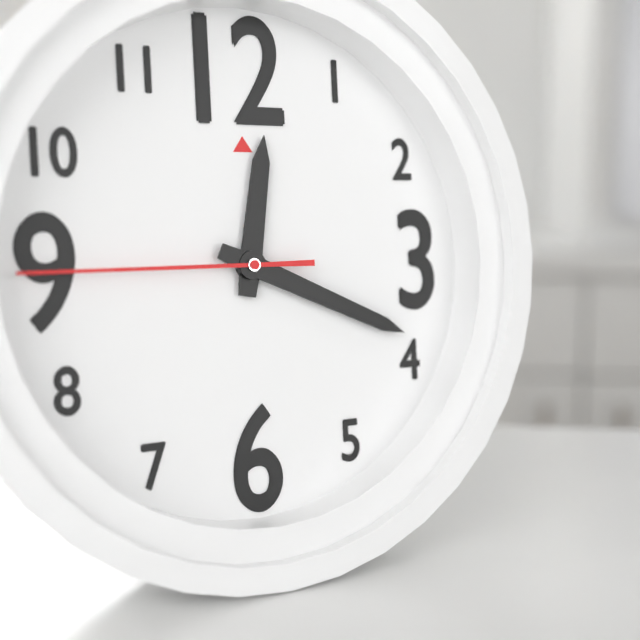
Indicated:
h=12 m=19 s=45
